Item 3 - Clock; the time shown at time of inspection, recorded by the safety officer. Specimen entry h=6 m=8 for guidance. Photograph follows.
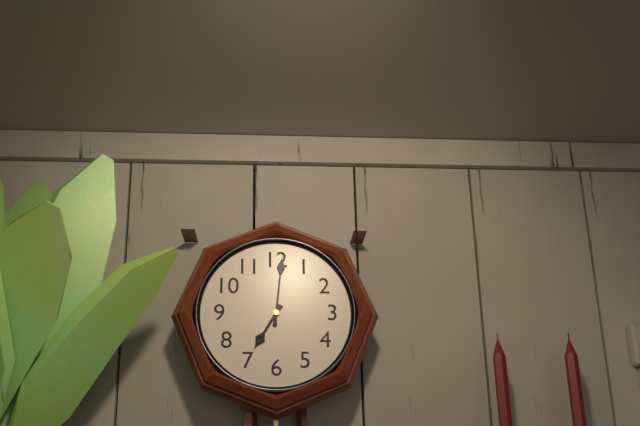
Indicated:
h=7 m=1
